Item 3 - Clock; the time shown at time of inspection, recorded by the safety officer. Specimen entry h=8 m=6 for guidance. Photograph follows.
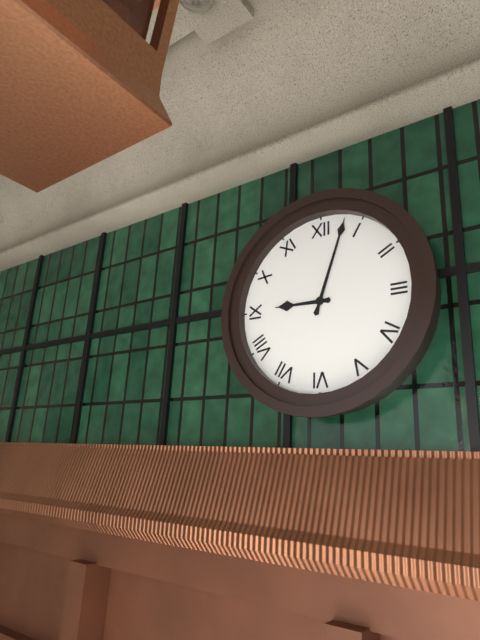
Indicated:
h=9 m=3
